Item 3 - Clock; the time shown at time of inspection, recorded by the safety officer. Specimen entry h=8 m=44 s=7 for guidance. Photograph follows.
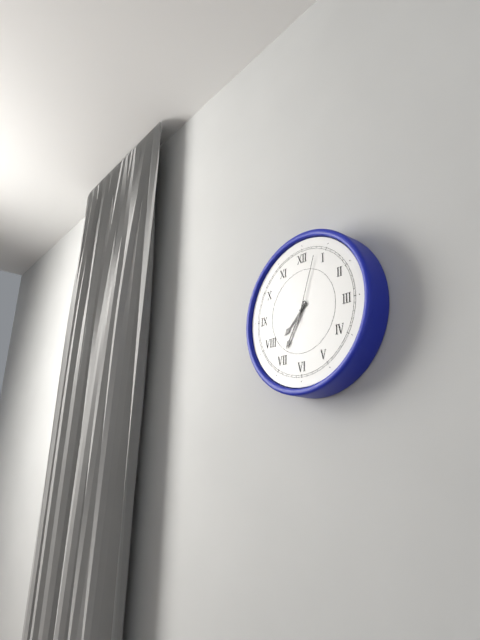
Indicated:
h=7 m=35 s=3
